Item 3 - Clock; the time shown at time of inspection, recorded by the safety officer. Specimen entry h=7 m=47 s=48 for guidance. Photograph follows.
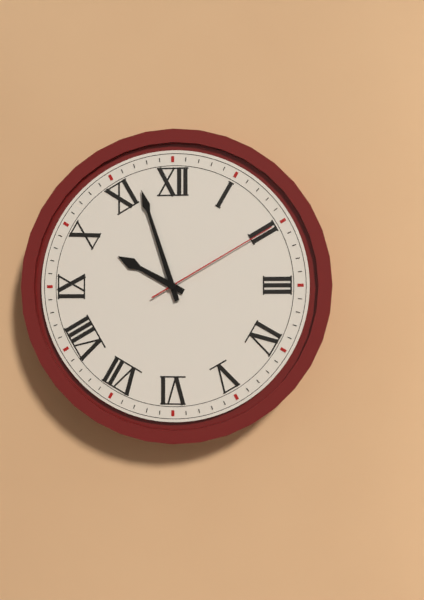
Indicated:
h=9 m=57 s=10
